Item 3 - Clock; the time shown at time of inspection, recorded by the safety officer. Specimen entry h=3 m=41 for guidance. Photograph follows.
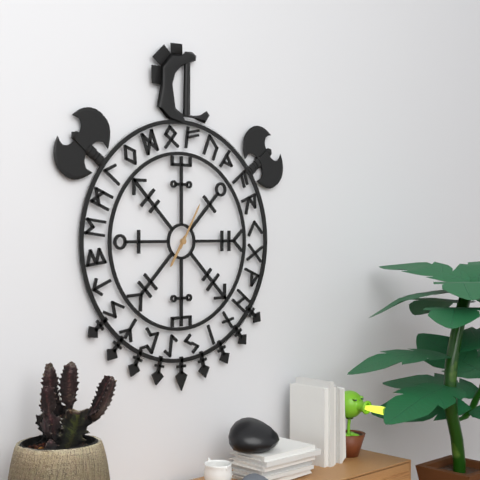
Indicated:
h=7 m=5
